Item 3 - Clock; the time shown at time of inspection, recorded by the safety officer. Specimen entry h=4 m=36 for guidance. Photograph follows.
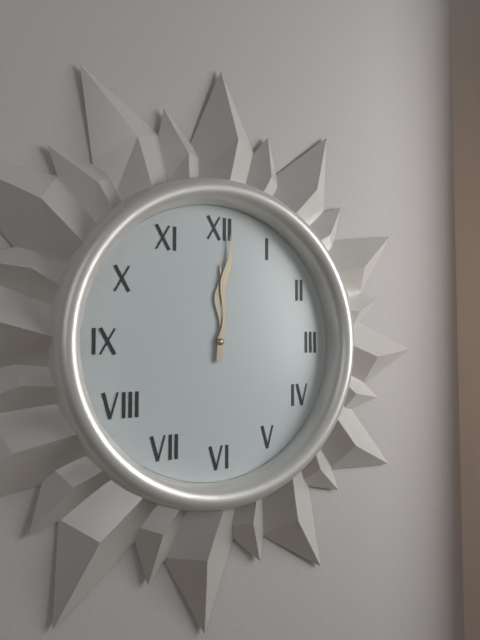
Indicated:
h=12 m=1
